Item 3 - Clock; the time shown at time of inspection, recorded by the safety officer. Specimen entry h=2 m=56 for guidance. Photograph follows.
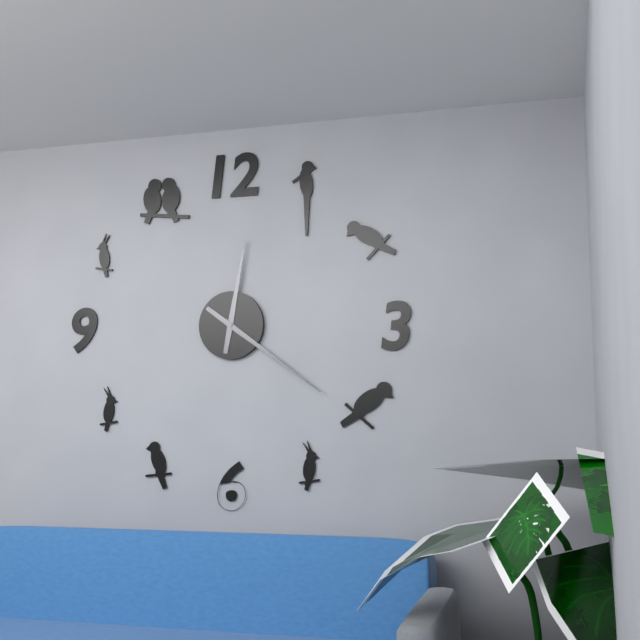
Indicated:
h=12 m=21
